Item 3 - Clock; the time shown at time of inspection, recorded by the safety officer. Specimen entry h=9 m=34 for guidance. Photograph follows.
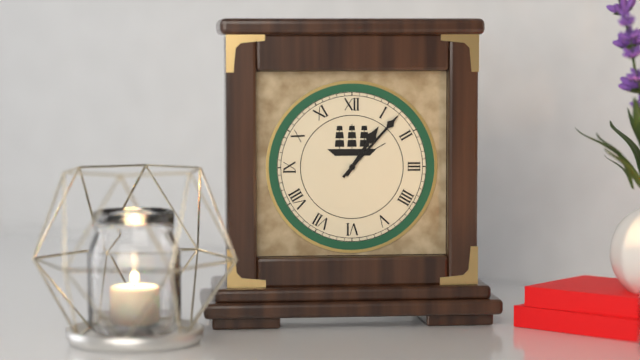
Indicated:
h=1 m=7
